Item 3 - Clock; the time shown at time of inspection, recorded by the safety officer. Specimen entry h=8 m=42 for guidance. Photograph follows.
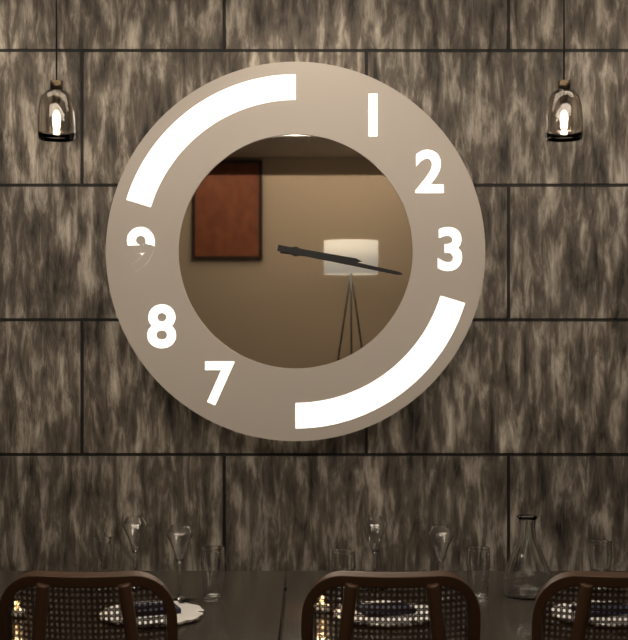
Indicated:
h=3 m=17
